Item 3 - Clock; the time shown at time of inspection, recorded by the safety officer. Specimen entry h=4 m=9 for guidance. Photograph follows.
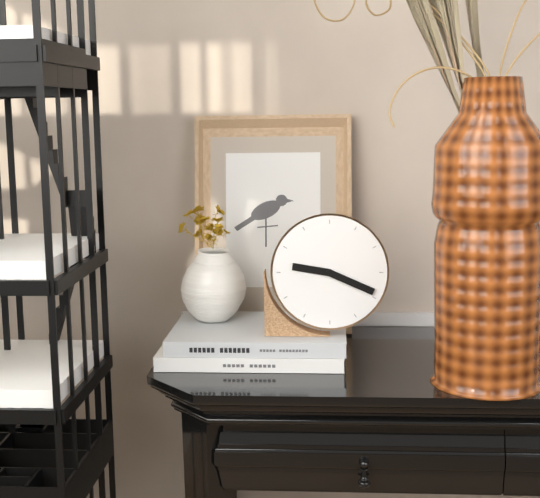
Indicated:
h=9 m=19
